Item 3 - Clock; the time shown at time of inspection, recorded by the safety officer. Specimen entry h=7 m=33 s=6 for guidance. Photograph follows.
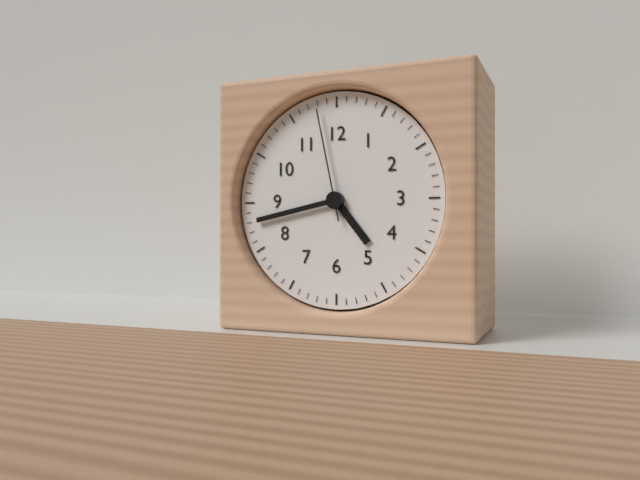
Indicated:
h=4 m=43 s=58
